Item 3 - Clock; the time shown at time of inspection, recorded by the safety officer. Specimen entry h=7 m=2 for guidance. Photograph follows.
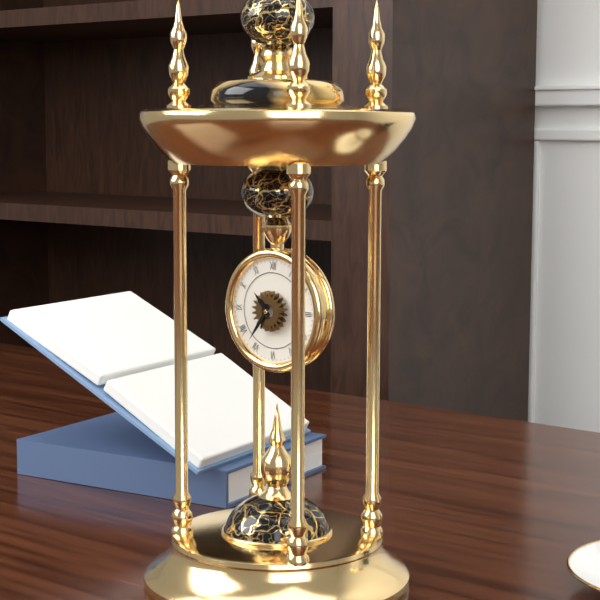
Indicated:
h=10 m=36
